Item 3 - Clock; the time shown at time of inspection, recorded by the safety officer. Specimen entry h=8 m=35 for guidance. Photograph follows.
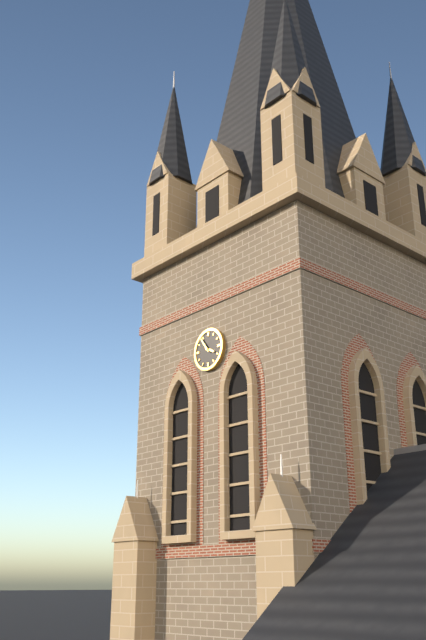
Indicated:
h=3 m=54
